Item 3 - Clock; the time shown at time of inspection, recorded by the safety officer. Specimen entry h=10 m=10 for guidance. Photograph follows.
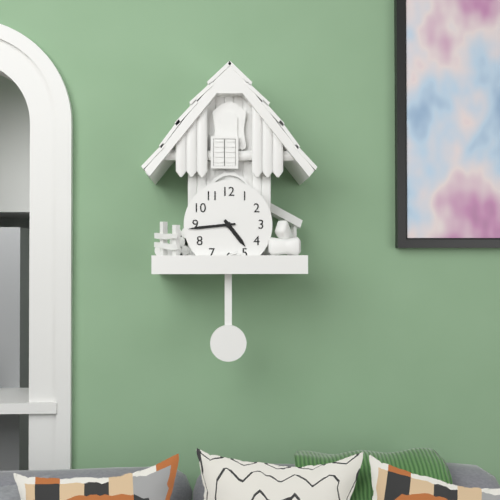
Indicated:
h=4 m=44
